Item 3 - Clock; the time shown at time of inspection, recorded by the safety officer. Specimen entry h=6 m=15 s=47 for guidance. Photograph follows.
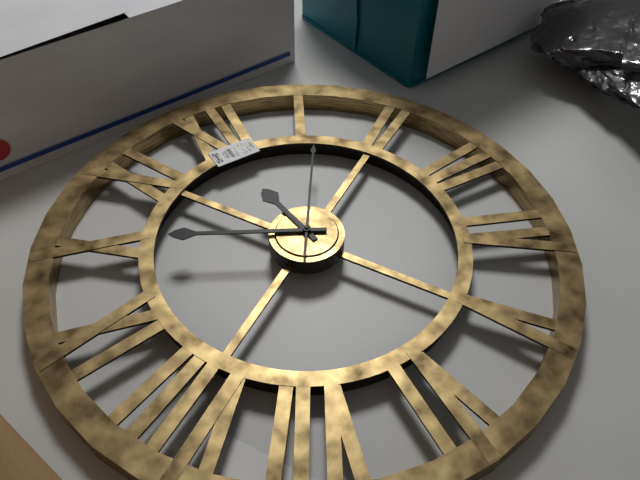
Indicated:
h=11 m=50 s=6
